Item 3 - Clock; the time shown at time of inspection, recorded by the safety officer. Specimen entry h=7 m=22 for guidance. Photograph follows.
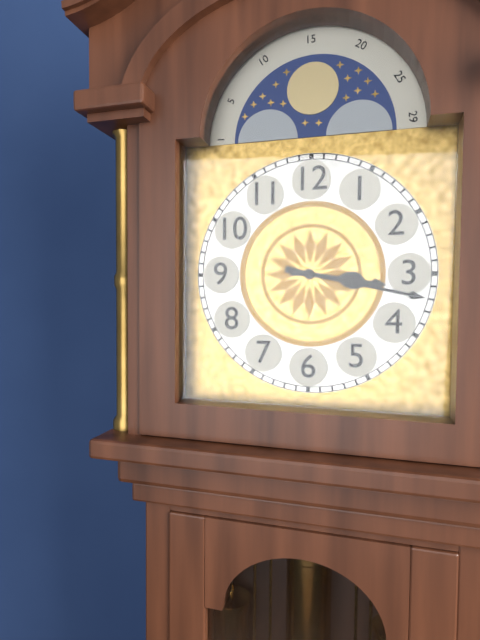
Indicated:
h=3 m=17
